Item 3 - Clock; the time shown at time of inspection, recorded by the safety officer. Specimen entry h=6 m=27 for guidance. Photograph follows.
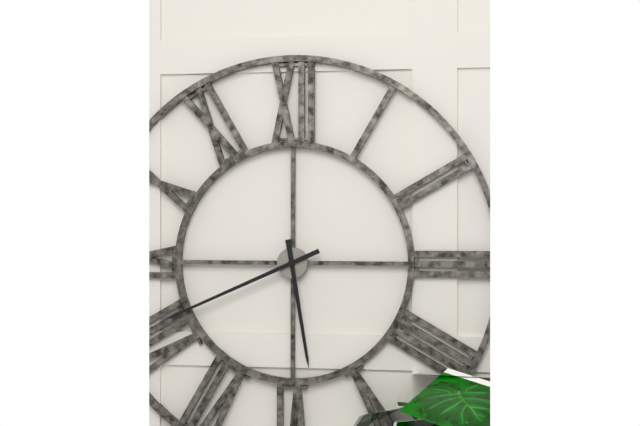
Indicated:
h=5 m=41
